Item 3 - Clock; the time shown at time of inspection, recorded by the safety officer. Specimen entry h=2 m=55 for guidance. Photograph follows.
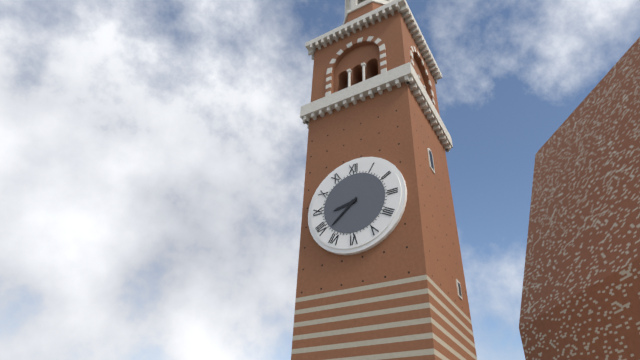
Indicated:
h=8 m=38
